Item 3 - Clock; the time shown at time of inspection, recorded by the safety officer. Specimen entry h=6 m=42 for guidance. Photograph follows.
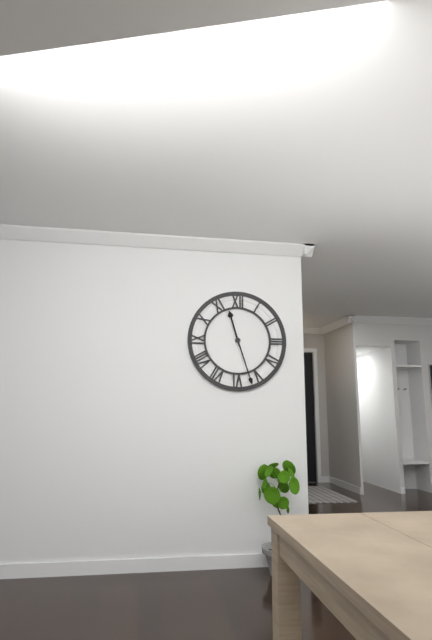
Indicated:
h=11 m=27
